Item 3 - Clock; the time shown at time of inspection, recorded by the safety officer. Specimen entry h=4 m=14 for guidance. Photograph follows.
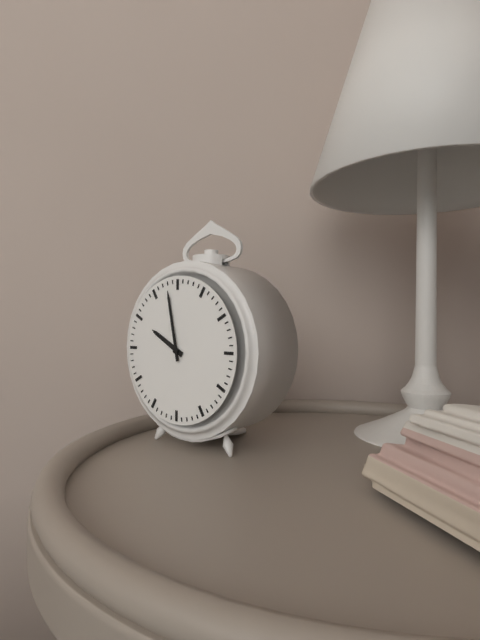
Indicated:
h=9 m=58
